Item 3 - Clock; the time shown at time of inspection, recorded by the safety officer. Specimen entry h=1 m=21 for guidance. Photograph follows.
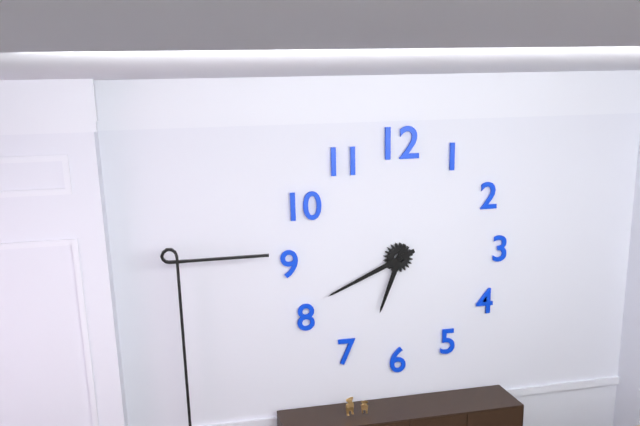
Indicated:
h=6 m=41
